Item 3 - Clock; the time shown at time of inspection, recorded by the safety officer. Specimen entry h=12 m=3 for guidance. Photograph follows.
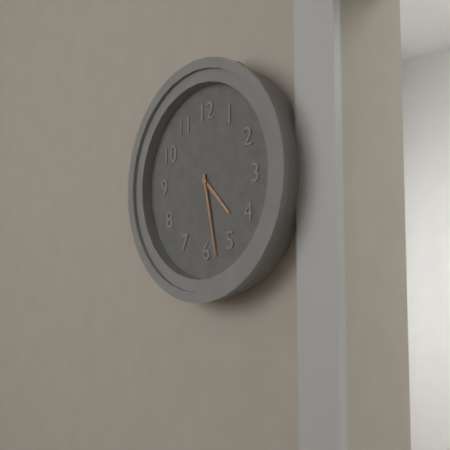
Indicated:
h=4 m=28
